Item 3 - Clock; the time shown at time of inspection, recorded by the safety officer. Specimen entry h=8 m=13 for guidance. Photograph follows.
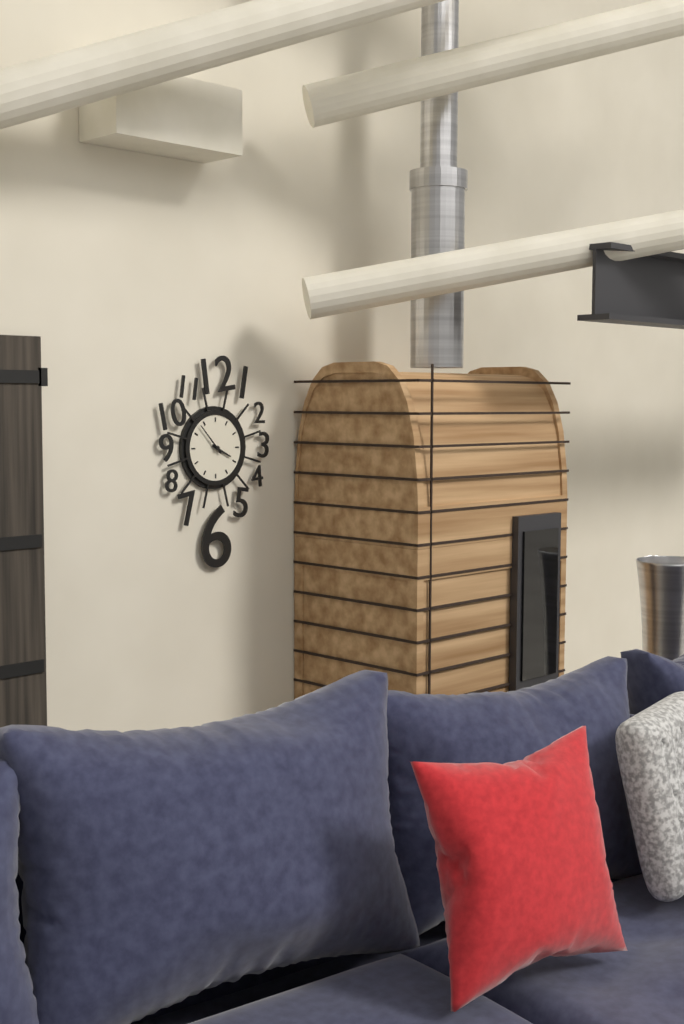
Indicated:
h=3 m=53
